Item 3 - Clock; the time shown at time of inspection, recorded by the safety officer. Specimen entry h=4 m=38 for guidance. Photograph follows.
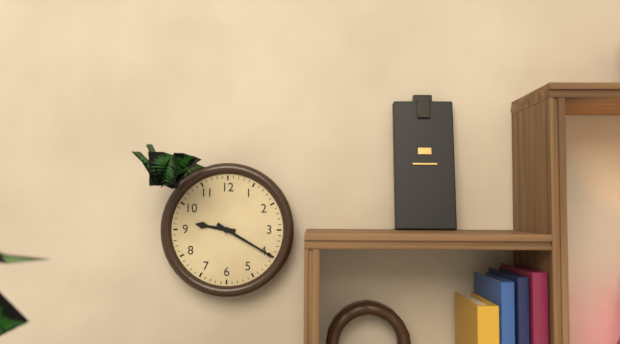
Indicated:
h=9 m=20
